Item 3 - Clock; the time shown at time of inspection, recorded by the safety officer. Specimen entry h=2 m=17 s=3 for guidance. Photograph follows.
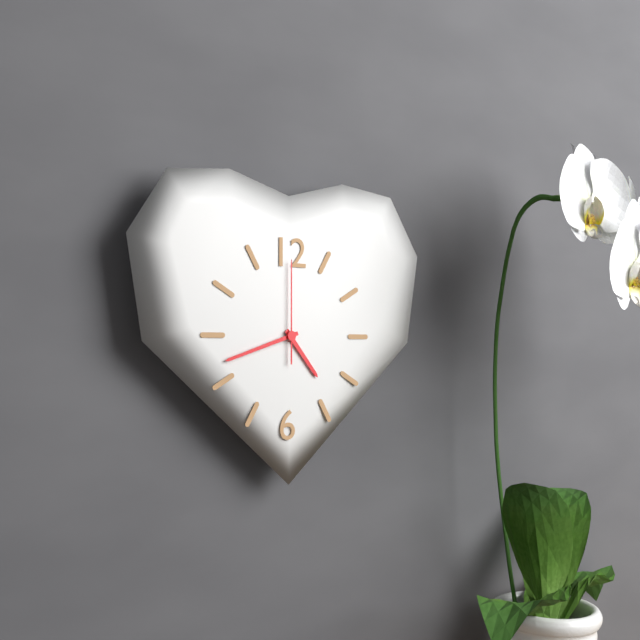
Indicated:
h=4 m=42 s=0
